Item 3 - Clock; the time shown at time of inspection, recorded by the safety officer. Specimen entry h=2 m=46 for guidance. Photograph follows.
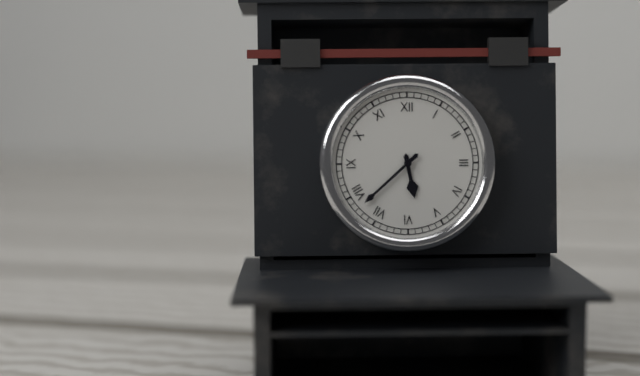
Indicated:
h=5 m=38
